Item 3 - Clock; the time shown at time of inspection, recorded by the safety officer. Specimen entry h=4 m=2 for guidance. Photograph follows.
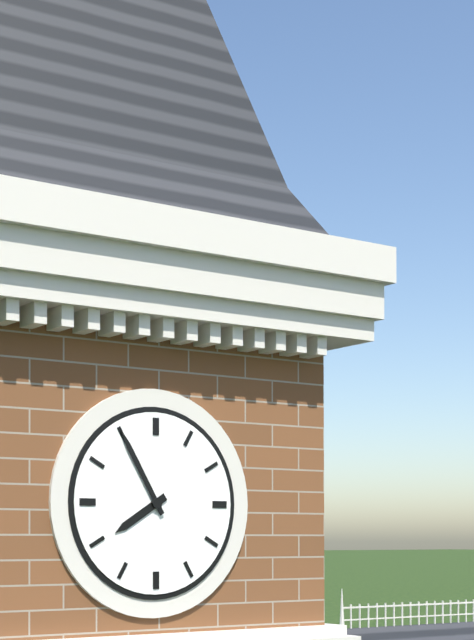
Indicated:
h=7 m=55
